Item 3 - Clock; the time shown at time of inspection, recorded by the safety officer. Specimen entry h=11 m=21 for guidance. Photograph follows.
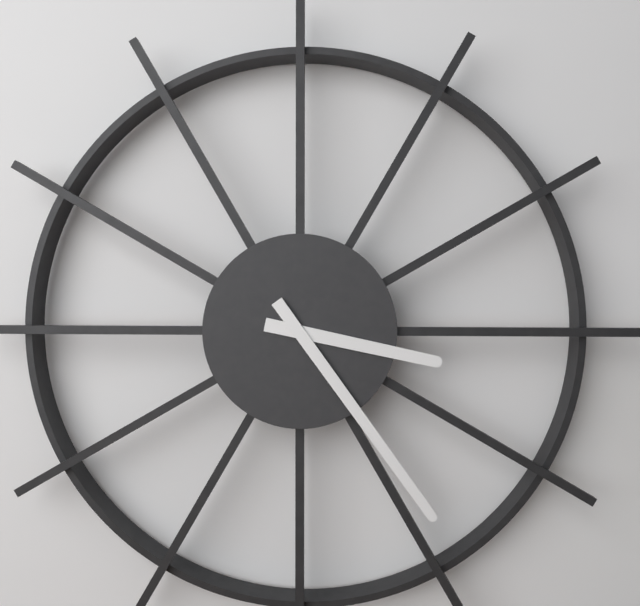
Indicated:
h=3 m=24
